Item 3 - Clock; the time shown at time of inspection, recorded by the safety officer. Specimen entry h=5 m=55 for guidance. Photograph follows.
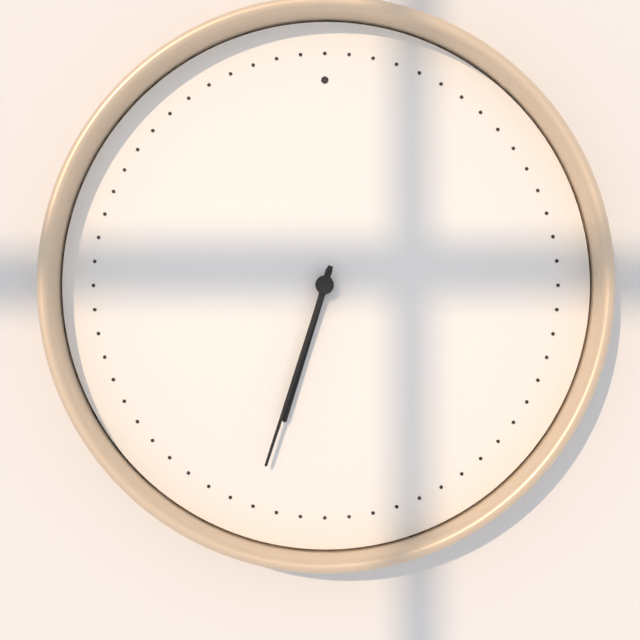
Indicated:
h=6 m=33
